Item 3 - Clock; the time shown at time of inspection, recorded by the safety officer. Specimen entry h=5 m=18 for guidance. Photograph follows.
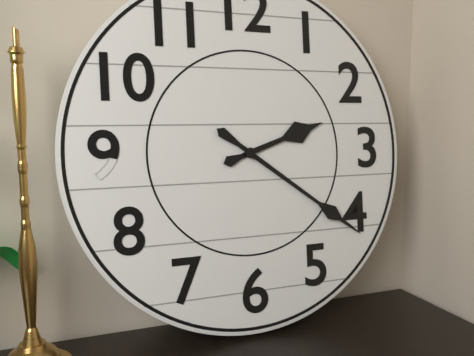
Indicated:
h=2 m=21
